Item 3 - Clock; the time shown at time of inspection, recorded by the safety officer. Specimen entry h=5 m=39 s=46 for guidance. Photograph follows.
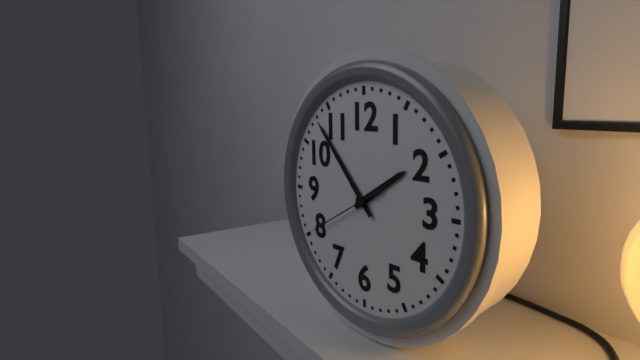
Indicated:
h=1 m=53 s=40
